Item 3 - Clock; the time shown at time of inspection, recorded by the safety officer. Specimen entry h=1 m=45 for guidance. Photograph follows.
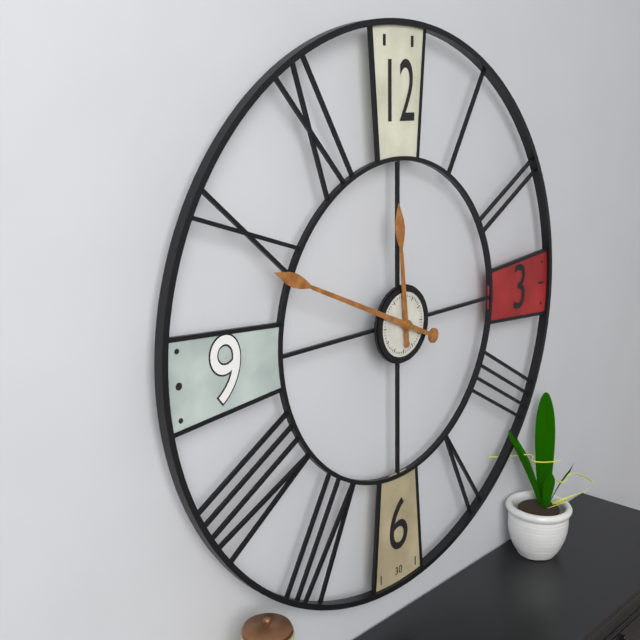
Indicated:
h=11 m=49
